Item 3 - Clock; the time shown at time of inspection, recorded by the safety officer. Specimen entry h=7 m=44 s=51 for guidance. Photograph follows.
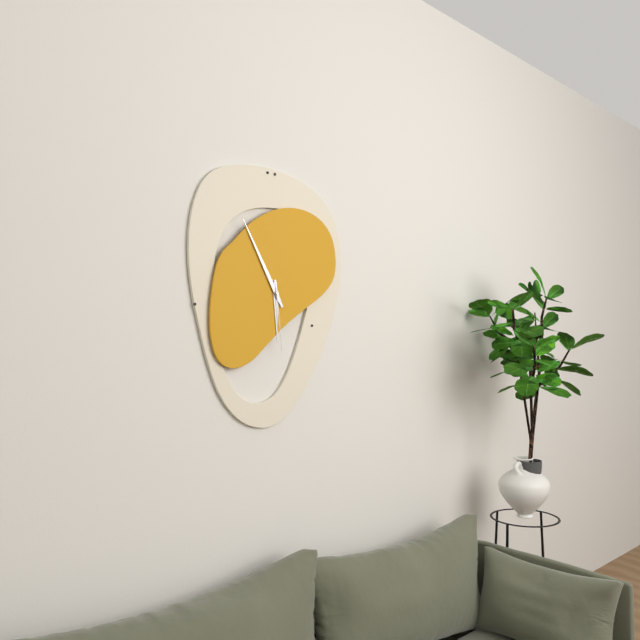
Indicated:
h=5 m=55 s=29
